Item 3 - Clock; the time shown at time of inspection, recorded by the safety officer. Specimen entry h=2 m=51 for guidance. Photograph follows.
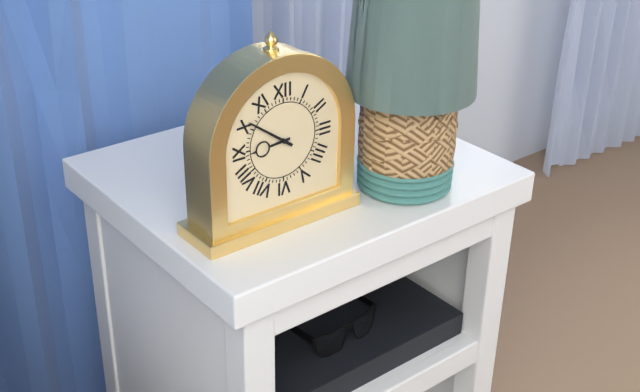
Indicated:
h=8 m=51
